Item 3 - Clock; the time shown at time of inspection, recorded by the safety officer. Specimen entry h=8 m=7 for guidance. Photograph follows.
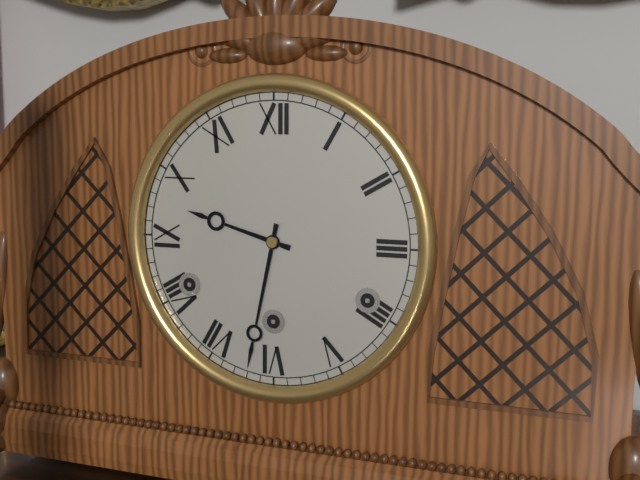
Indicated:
h=9 m=32
